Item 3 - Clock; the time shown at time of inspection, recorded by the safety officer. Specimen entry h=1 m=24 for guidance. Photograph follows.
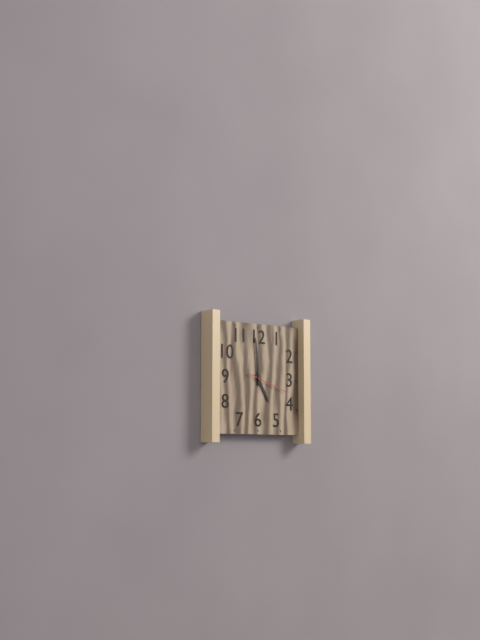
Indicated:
h=4 m=59
